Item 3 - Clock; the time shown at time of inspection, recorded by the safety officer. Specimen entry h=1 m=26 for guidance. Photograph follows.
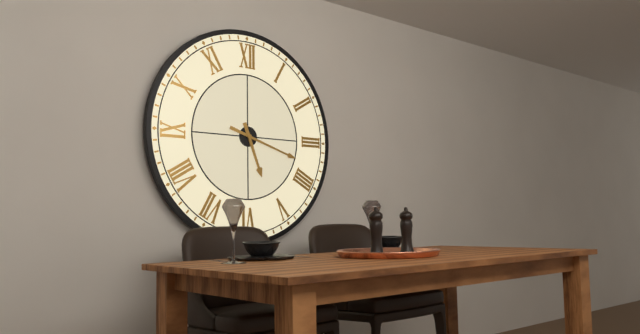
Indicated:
h=5 m=18
